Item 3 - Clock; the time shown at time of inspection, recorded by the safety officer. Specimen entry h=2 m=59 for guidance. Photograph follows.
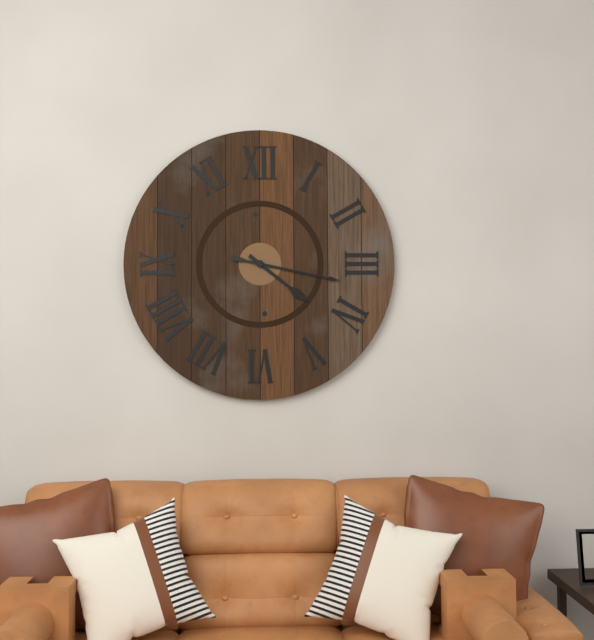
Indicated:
h=4 m=17
